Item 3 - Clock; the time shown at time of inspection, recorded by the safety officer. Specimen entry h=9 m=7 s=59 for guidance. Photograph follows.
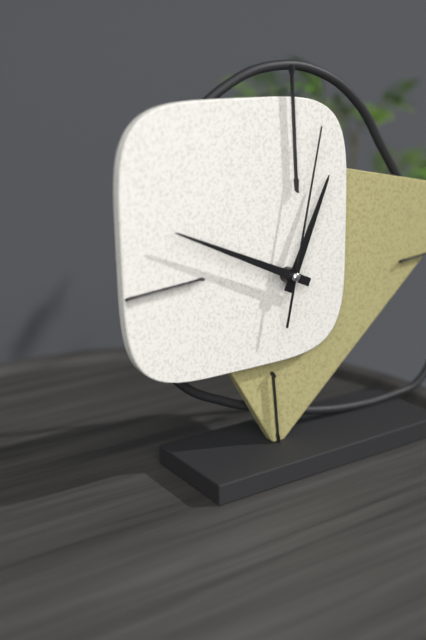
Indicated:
h=12 m=49 s=2
